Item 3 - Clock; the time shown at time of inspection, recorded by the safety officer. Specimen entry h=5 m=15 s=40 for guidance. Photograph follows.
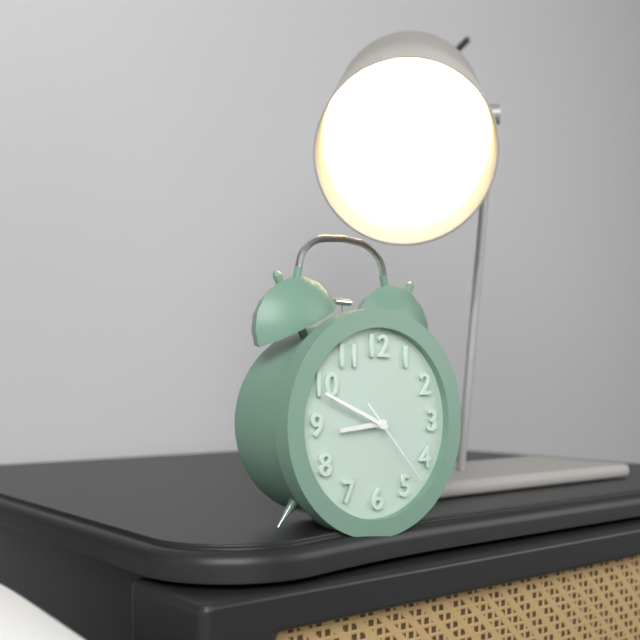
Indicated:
h=8 m=49 s=23
